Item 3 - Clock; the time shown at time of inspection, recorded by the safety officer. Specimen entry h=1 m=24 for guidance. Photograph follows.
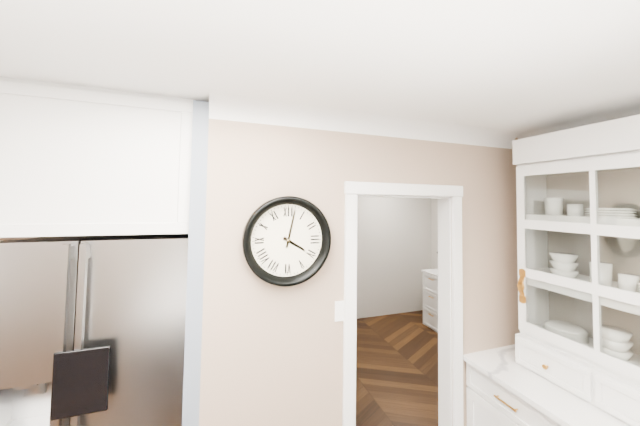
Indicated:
h=4 m=2
